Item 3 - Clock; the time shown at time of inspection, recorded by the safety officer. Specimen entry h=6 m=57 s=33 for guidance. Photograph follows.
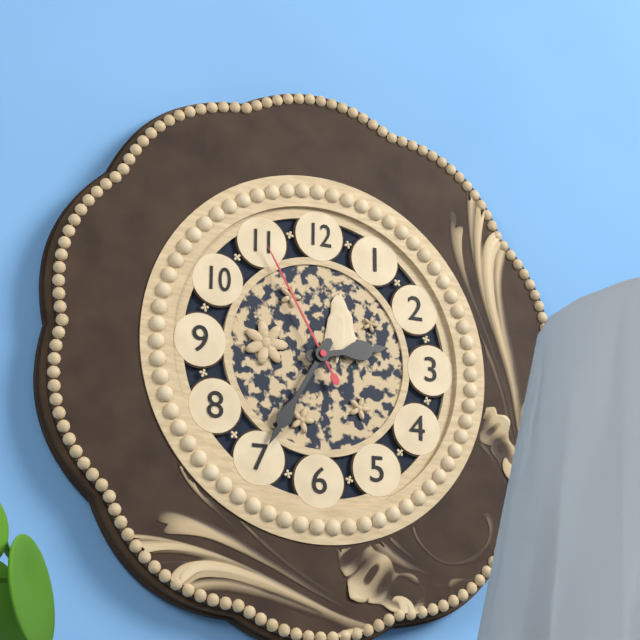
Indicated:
h=2 m=35 s=55
